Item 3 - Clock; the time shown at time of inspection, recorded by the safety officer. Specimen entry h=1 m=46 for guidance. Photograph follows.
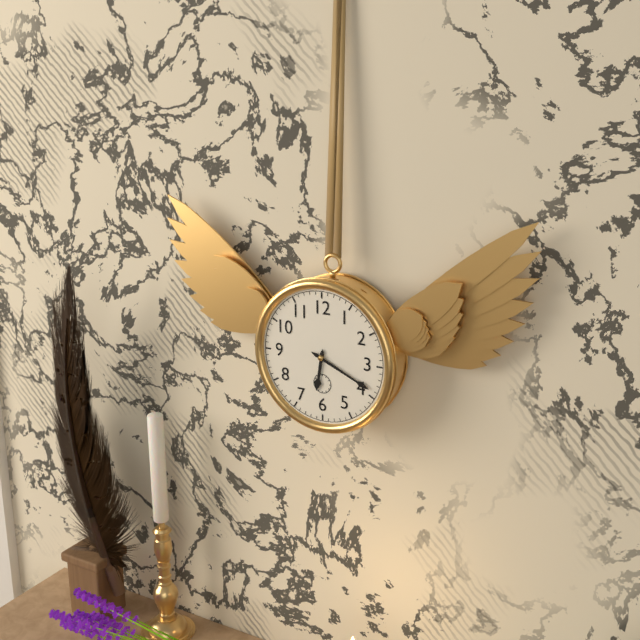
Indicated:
h=6 m=19
